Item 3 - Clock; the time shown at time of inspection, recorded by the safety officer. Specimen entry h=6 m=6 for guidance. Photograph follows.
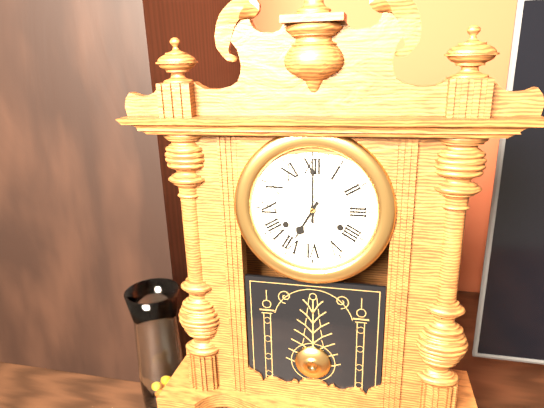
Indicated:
h=7 m=0
